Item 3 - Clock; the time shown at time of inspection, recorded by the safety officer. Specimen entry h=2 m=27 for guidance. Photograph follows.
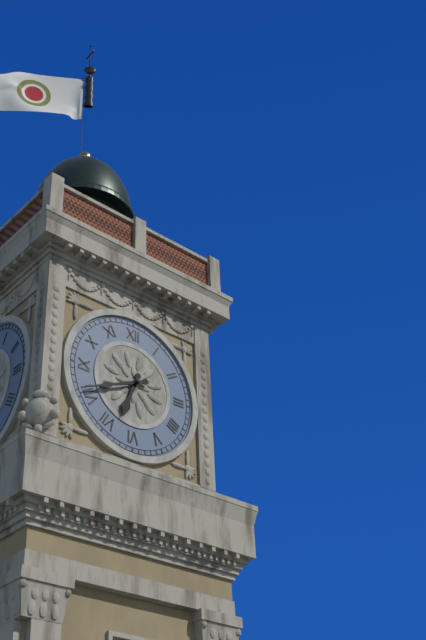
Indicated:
h=6 m=41
